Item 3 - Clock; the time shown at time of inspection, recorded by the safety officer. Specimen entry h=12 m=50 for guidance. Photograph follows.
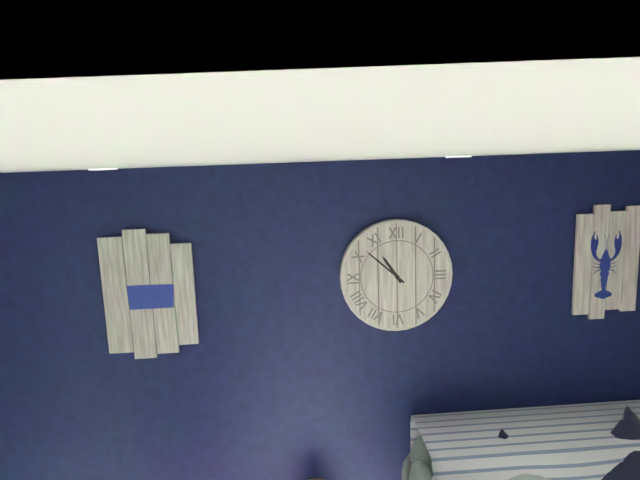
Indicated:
h=10 m=52
